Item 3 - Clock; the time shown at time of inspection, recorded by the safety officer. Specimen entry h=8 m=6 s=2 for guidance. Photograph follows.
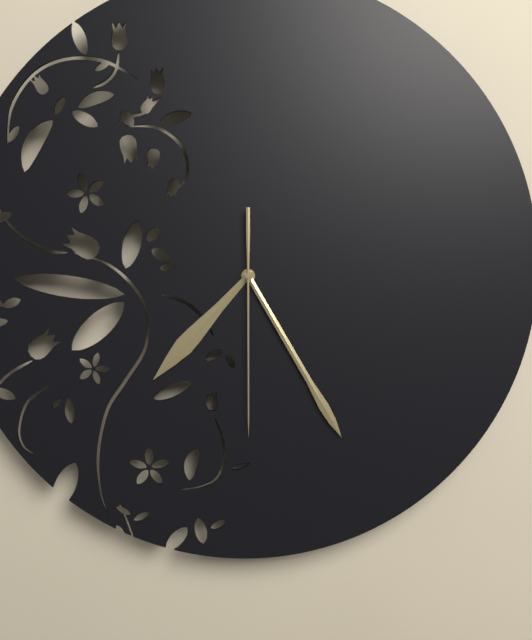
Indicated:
h=7 m=25 s=30
